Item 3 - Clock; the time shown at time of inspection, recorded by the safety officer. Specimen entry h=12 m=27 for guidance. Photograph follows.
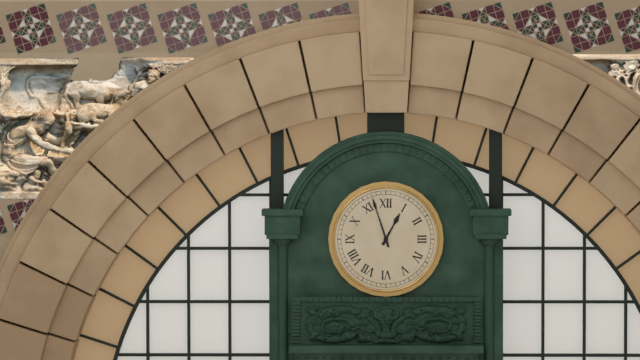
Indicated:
h=12 m=57
